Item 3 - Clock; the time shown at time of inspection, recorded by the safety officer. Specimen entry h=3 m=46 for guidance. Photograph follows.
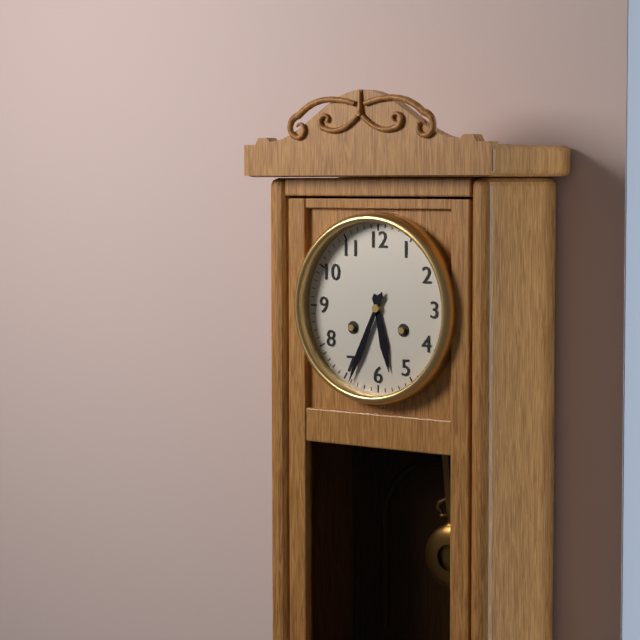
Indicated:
h=5 m=34
